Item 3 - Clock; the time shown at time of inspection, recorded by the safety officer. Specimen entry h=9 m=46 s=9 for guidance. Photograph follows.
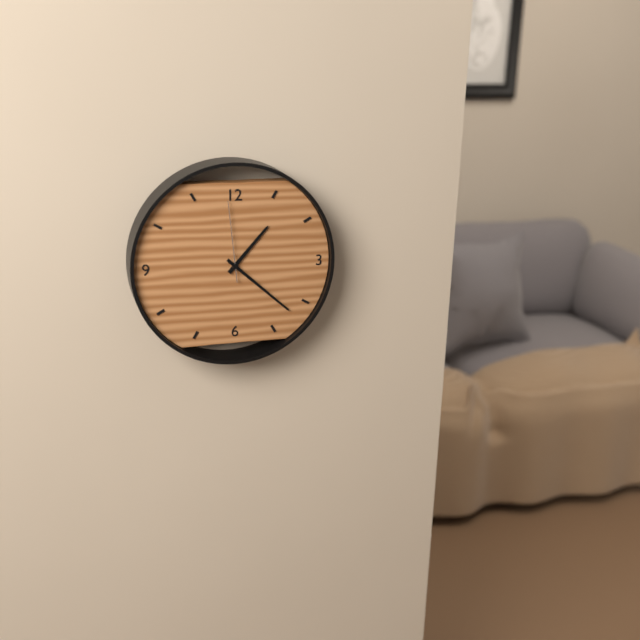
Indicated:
h=1 m=22 s=59
